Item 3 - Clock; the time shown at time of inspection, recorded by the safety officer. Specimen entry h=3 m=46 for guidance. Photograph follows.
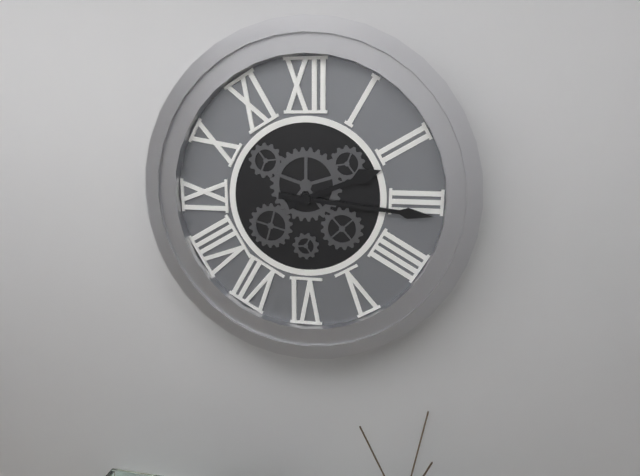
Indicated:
h=2 m=16
